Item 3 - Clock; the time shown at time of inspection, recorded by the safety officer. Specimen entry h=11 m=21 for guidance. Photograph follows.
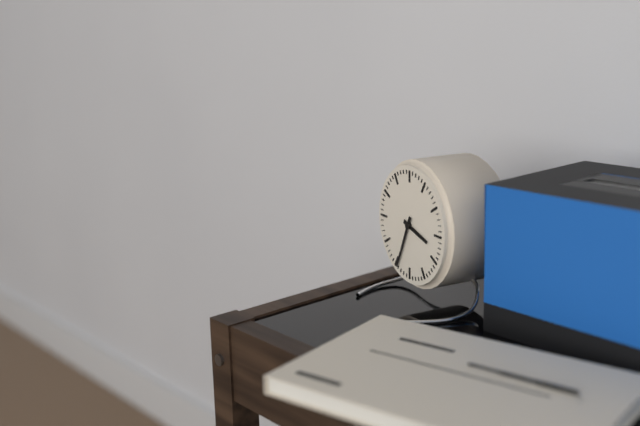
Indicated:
h=3 m=34
